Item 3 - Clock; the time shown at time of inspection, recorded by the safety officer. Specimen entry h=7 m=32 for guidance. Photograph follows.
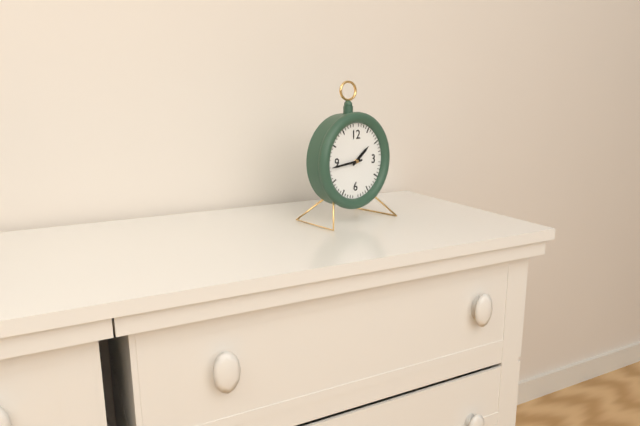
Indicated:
h=1 m=44
